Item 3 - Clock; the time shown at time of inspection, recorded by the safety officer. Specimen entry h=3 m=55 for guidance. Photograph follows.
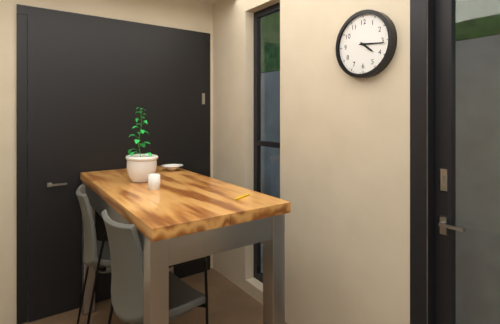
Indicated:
h=4 m=16
